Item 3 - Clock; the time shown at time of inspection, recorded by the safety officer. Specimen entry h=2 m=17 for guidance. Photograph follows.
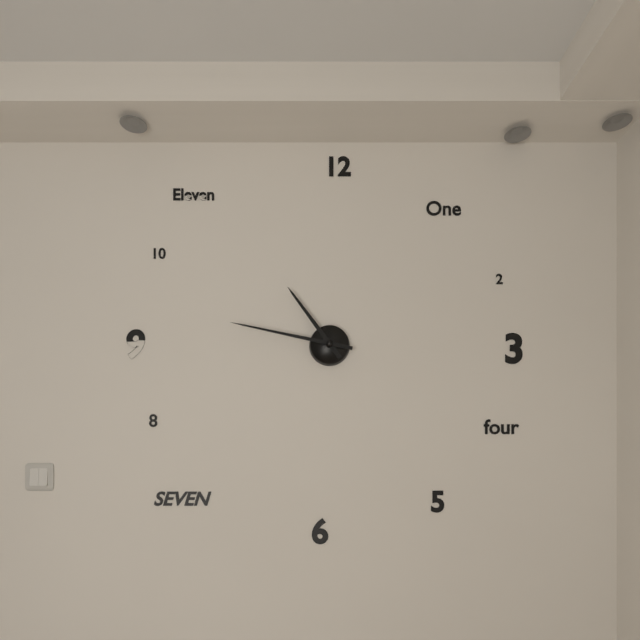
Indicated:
h=10 m=47
